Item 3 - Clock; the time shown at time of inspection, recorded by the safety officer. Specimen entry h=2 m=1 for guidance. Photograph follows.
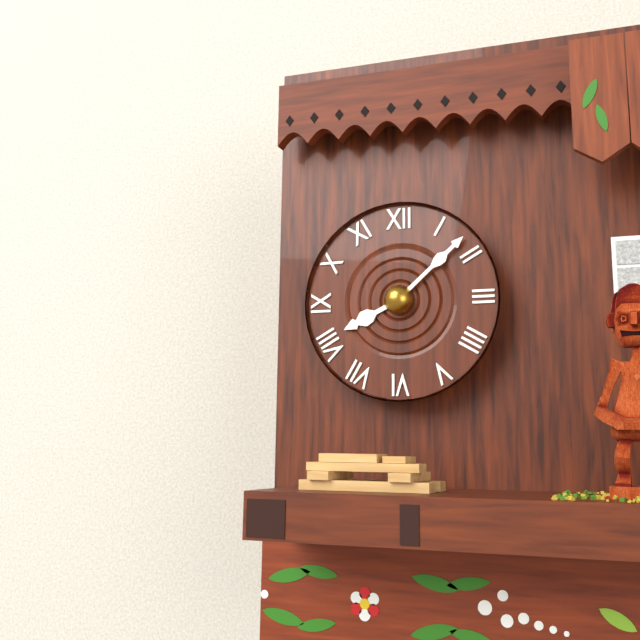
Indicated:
h=8 m=8
